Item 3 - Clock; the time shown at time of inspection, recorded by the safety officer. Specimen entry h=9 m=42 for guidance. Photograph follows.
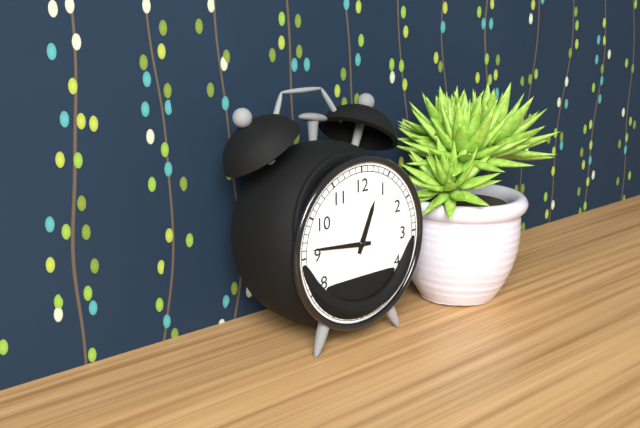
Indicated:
h=12 m=46
